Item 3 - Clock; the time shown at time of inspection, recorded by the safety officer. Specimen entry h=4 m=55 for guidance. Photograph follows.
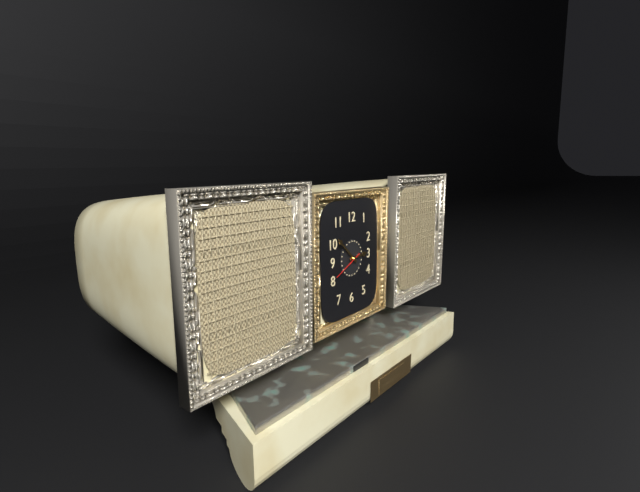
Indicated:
h=2 m=52
